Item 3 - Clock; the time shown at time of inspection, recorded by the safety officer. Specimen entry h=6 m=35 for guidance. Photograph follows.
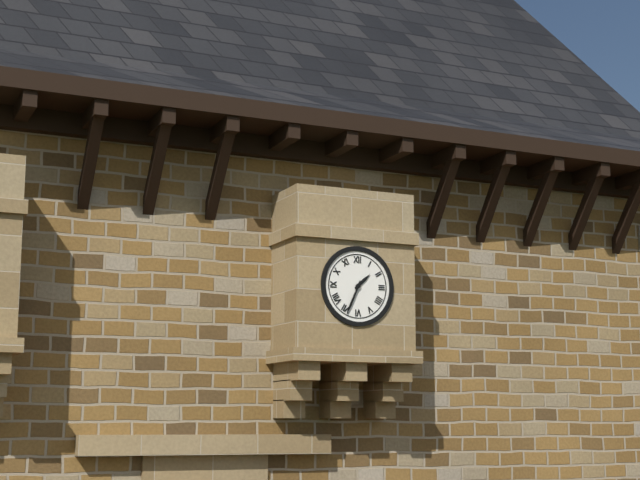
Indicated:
h=1 m=34
